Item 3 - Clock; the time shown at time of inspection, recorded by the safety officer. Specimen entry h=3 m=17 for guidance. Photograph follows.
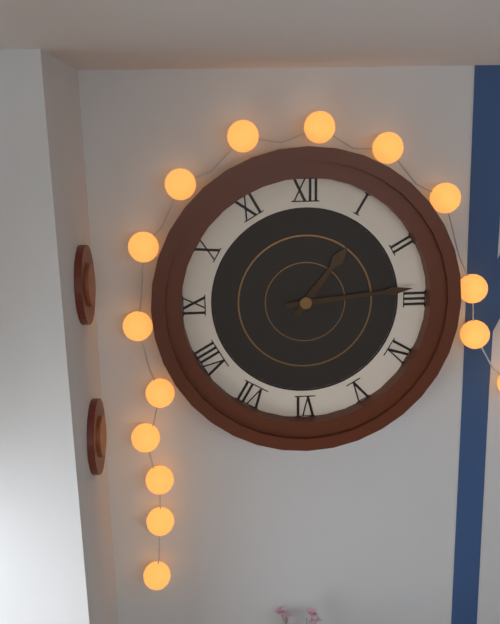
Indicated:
h=1 m=14
